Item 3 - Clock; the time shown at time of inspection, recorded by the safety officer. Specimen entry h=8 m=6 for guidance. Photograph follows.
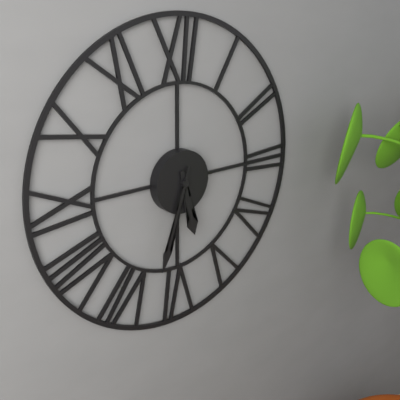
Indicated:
h=5 m=33
